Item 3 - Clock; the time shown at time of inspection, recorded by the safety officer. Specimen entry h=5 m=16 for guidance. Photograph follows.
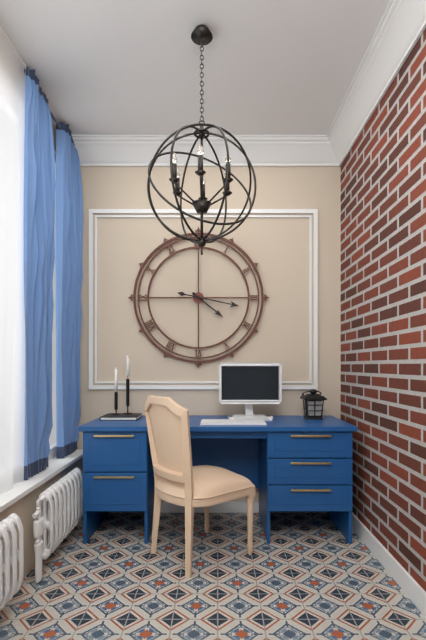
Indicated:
h=4 m=17
